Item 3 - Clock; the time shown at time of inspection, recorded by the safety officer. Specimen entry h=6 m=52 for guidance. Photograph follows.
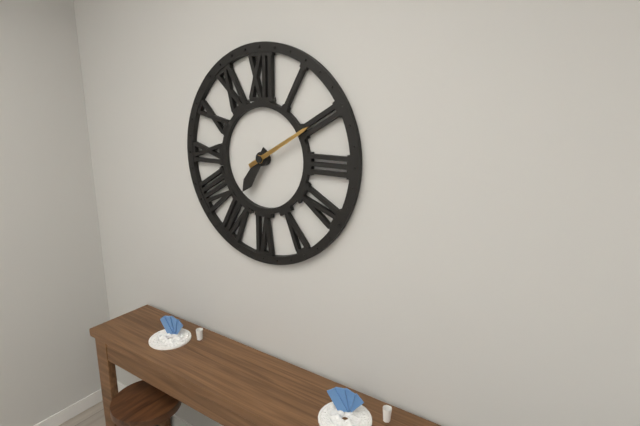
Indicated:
h=7 m=10
